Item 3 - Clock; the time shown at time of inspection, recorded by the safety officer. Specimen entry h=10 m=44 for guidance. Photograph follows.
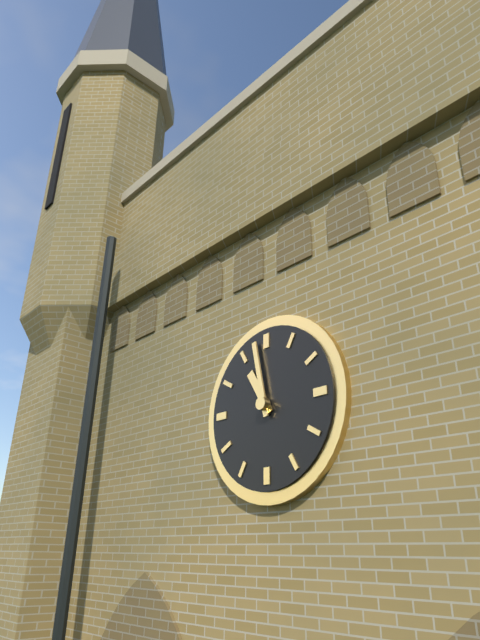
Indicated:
h=10 m=58
